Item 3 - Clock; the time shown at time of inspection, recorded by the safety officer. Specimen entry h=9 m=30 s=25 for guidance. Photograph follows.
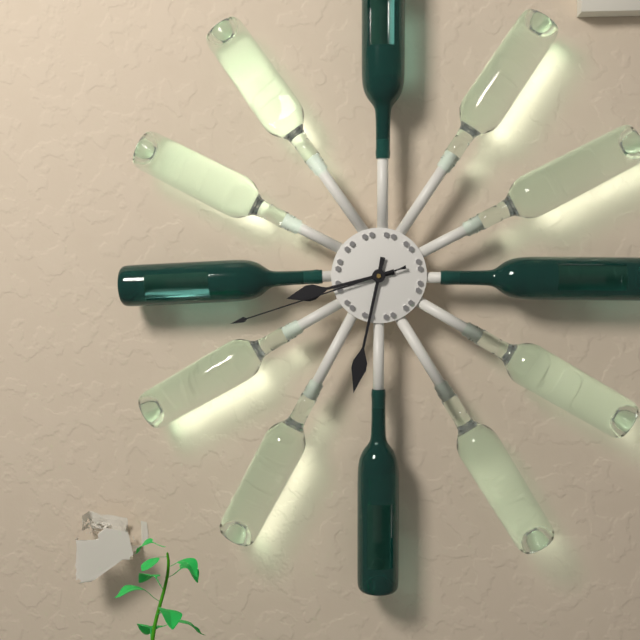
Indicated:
h=8 m=32 s=42
